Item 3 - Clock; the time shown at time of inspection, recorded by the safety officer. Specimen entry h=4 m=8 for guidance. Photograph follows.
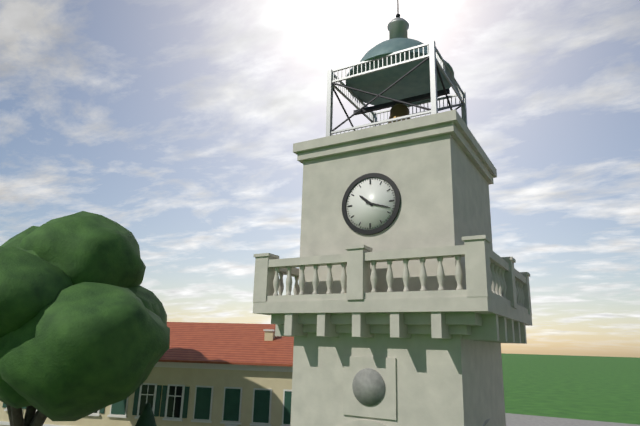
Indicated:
h=10 m=18
